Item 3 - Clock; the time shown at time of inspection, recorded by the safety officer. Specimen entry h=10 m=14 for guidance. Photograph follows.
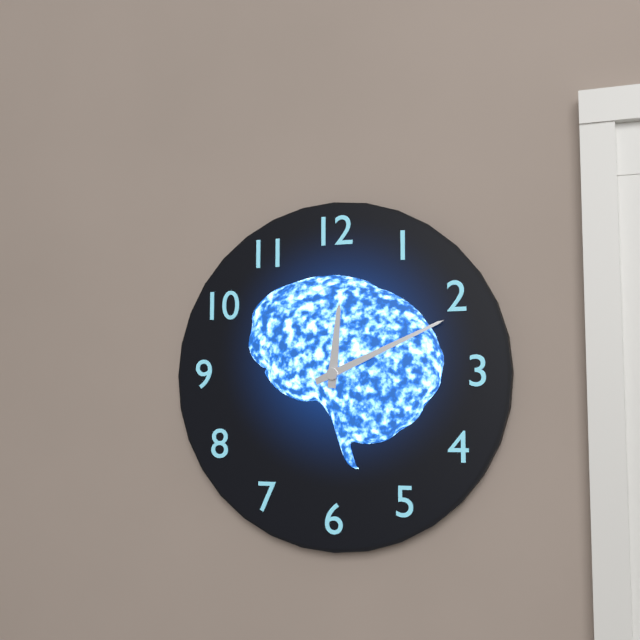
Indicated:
h=12 m=11
